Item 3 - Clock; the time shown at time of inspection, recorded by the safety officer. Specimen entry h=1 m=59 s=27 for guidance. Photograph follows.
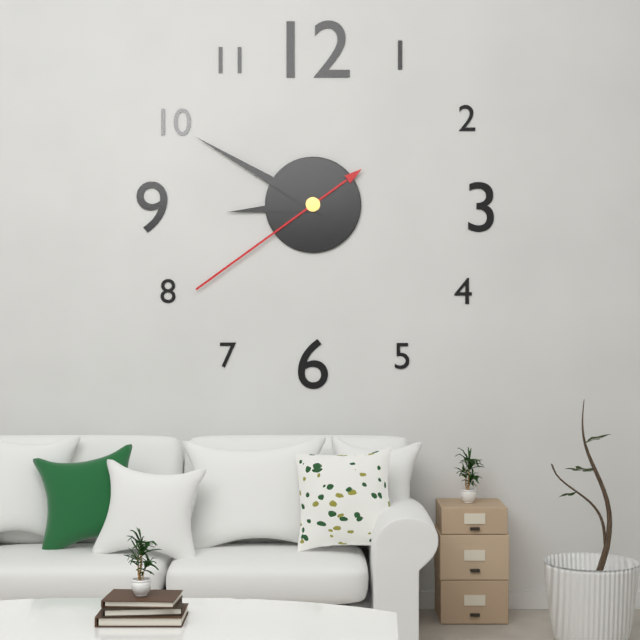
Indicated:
h=8 m=50 s=39
